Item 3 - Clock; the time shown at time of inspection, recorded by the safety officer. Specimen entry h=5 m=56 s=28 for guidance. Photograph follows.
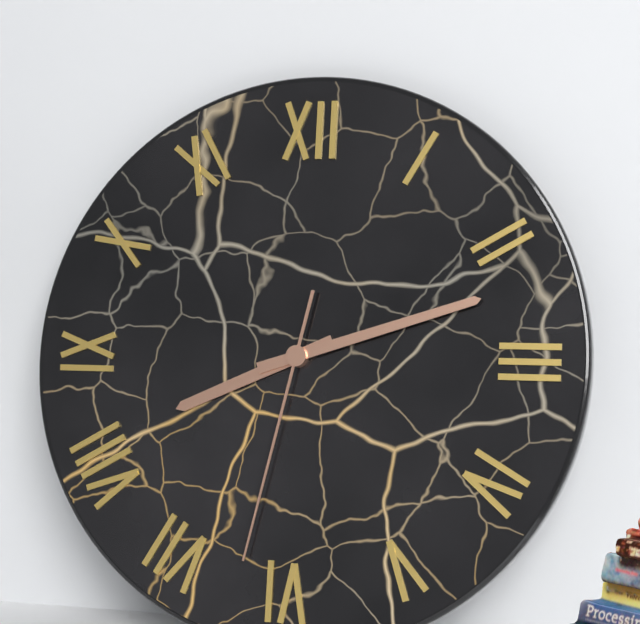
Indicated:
h=8 m=12 s=32
